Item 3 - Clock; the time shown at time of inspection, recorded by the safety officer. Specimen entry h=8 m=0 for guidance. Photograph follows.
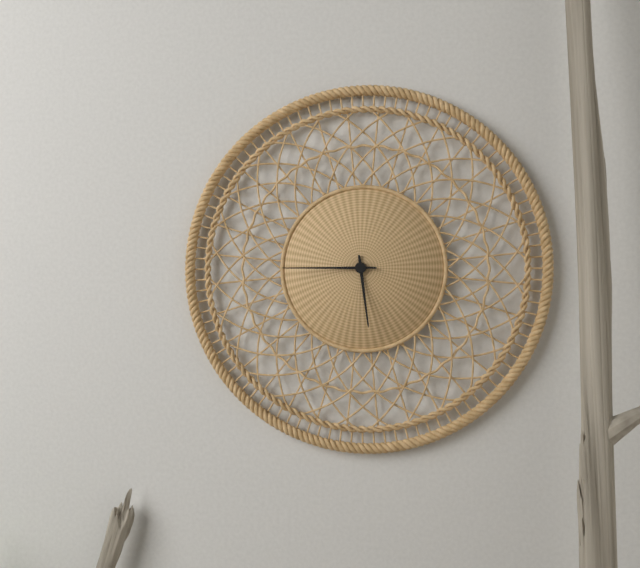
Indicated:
h=5 m=45
